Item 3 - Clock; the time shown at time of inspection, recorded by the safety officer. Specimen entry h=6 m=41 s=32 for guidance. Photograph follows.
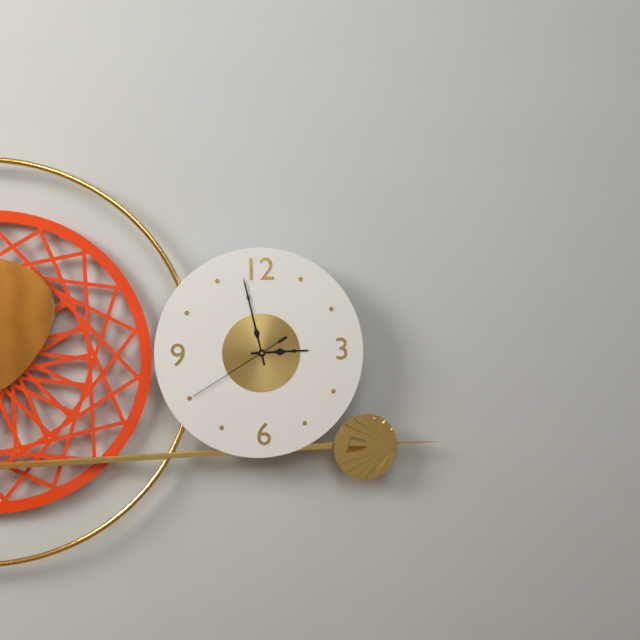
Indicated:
h=2 m=58 s=40
